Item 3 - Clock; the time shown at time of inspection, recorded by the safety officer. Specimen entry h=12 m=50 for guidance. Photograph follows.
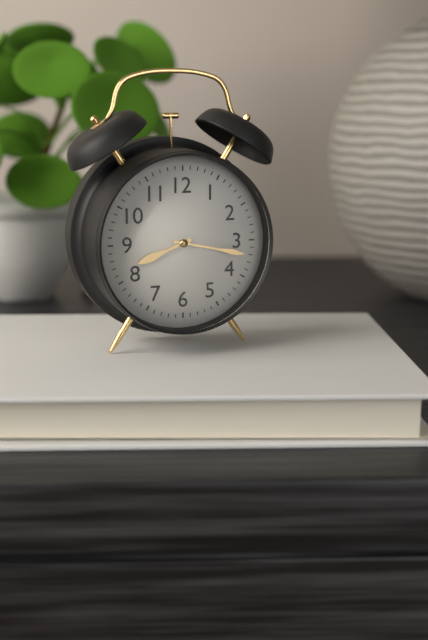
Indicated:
h=8 m=17
